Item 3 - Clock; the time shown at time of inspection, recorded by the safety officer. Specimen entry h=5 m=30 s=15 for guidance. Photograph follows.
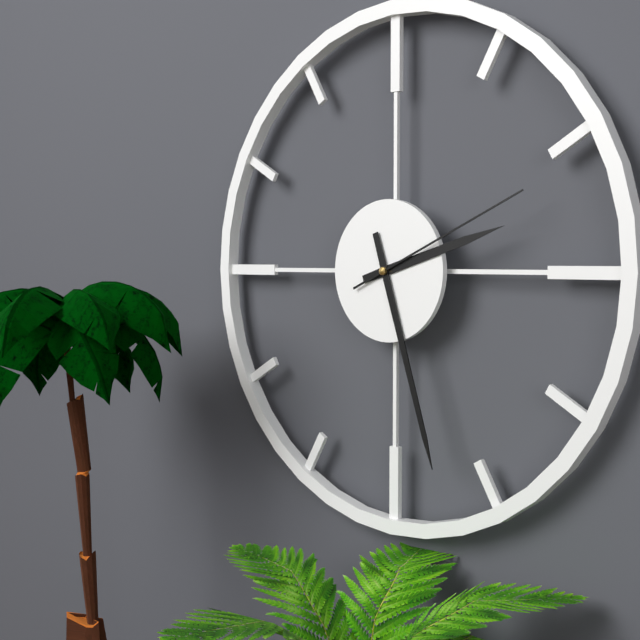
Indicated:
h=2 m=27 s=11
